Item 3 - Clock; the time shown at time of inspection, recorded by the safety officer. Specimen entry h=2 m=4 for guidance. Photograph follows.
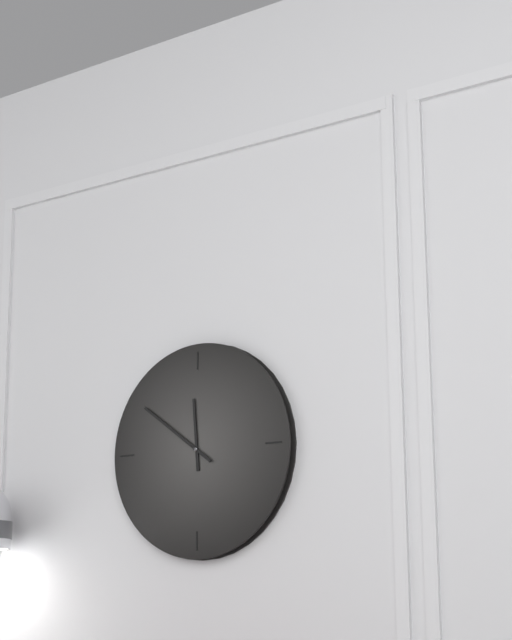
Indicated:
h=11 m=51
